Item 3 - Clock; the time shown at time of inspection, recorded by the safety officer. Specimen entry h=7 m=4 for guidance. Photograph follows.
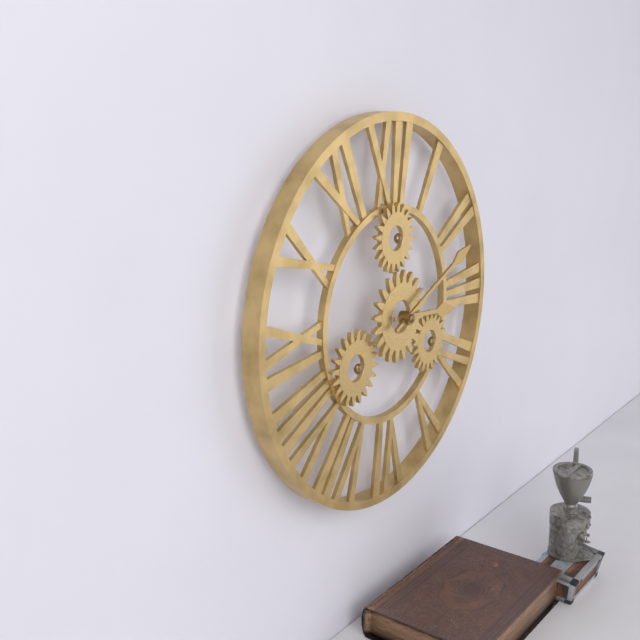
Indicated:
h=3 m=11
